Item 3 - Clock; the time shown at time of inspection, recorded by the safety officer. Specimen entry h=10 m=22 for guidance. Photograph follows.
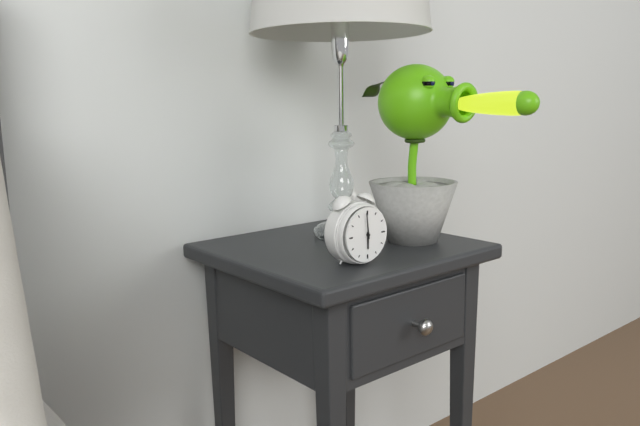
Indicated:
h=5 m=59
